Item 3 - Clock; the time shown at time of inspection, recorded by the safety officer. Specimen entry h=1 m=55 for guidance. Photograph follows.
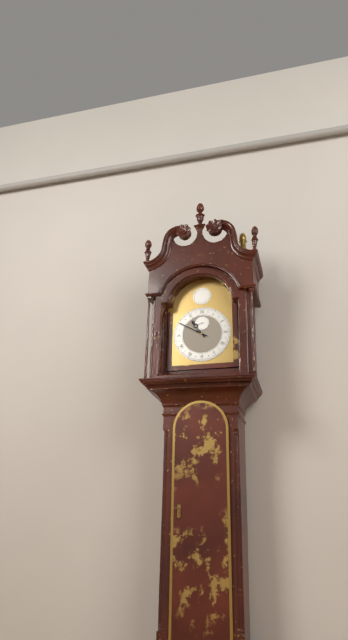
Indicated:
h=10 m=50
